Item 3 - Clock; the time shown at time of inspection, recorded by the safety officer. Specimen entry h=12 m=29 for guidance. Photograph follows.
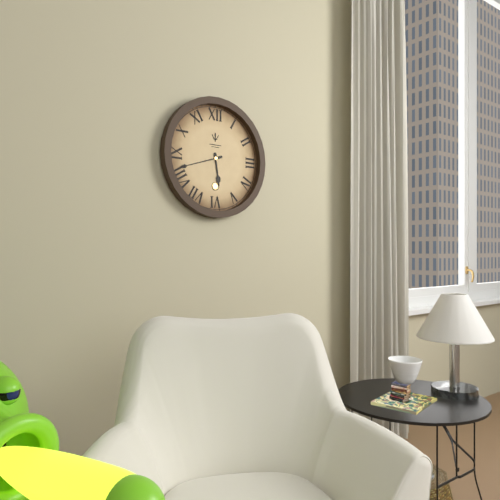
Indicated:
h=5 m=42
